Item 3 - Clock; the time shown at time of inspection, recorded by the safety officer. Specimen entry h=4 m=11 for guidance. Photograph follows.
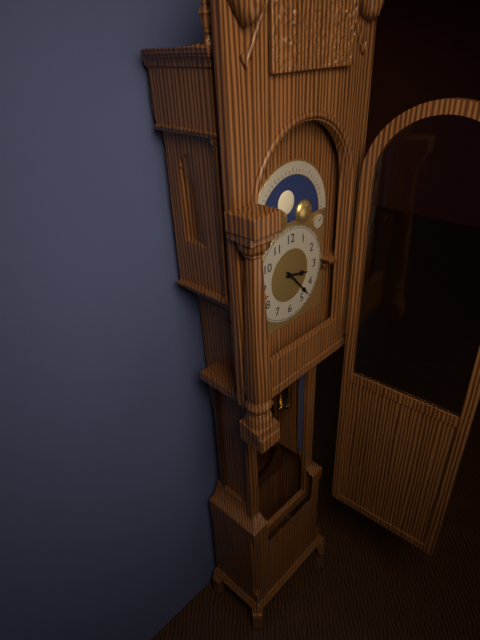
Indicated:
h=3 m=23
